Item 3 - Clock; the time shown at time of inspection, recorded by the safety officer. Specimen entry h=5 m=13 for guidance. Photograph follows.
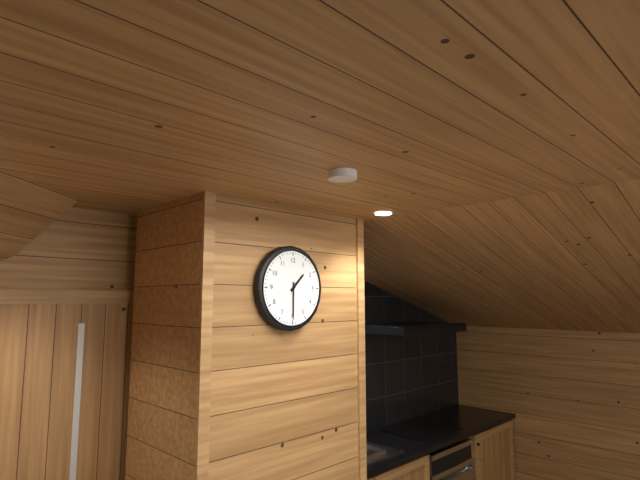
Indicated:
h=1 m=30
